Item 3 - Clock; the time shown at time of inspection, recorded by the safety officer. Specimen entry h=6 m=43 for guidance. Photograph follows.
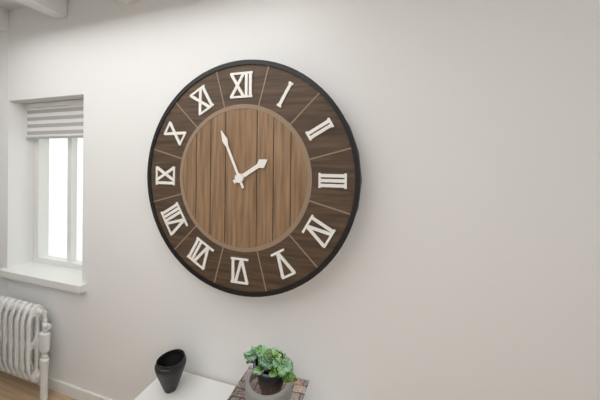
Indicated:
h=1 m=56
